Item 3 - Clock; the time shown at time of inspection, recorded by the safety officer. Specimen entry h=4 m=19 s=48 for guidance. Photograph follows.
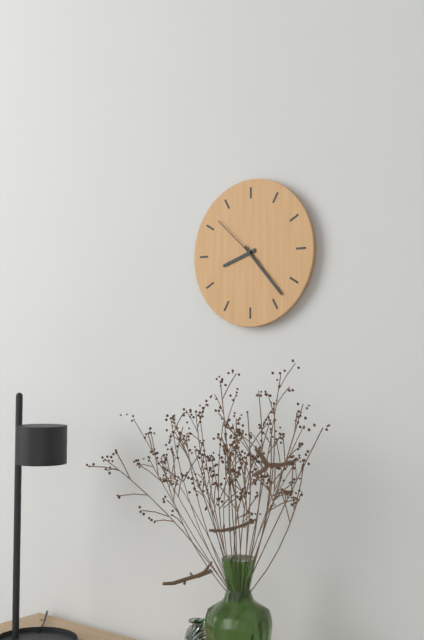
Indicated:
h=8 m=23 s=52
